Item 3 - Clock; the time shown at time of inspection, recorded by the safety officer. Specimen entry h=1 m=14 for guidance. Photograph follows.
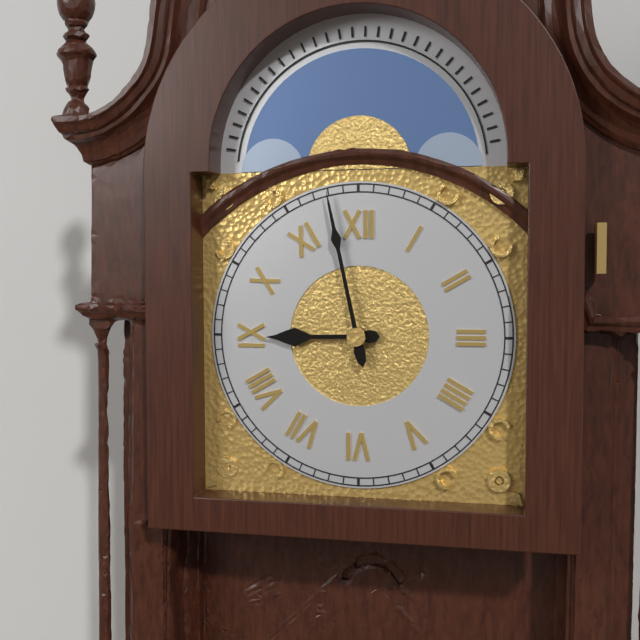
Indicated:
h=8 m=58
